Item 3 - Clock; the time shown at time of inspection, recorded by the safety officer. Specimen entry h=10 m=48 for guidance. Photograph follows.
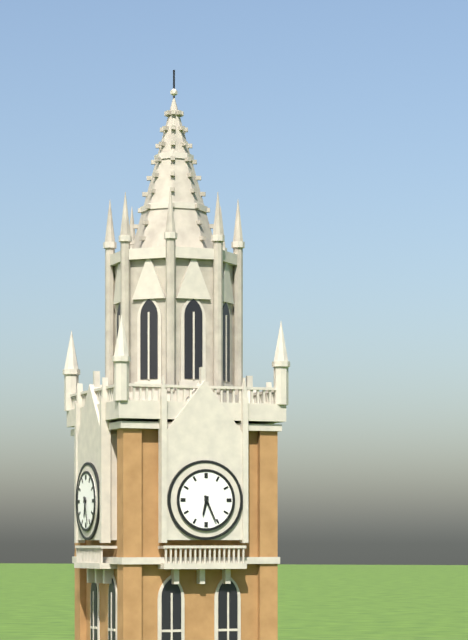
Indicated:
h=6 m=26
